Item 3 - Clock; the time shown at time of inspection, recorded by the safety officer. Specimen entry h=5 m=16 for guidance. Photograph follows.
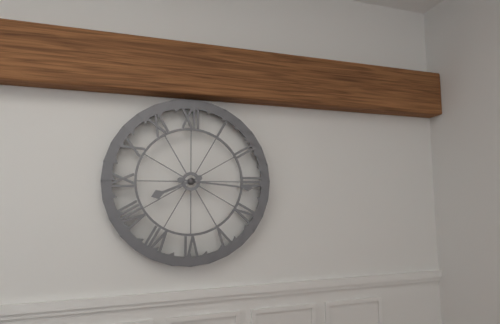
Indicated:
h=8 m=16
